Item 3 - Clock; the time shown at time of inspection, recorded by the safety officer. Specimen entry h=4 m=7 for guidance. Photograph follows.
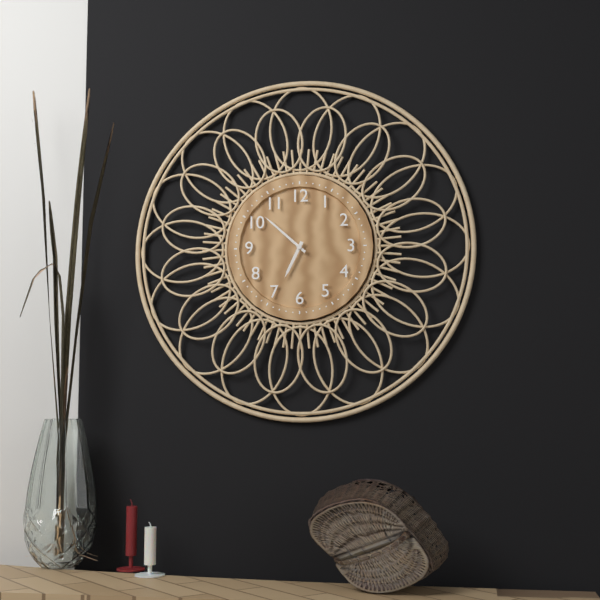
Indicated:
h=6 m=52
